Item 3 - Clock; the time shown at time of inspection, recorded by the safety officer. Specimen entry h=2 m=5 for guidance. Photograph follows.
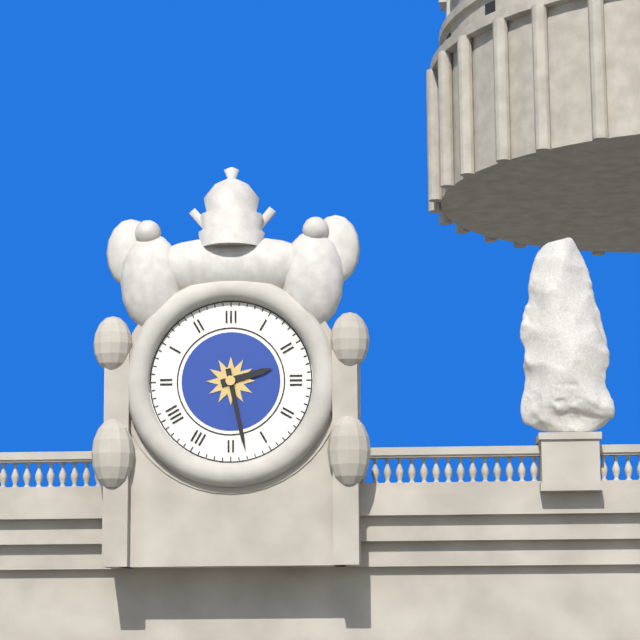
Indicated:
h=2 m=28
